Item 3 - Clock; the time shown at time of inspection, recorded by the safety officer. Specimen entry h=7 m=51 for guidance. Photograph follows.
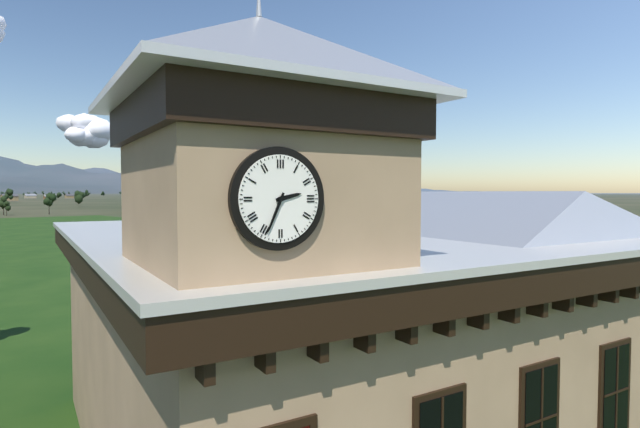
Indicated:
h=2 m=34
